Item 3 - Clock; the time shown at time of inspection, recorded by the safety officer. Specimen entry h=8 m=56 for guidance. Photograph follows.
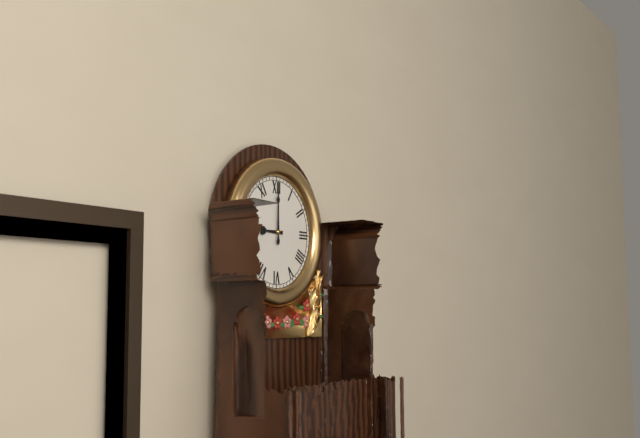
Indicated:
h=9 m=0
